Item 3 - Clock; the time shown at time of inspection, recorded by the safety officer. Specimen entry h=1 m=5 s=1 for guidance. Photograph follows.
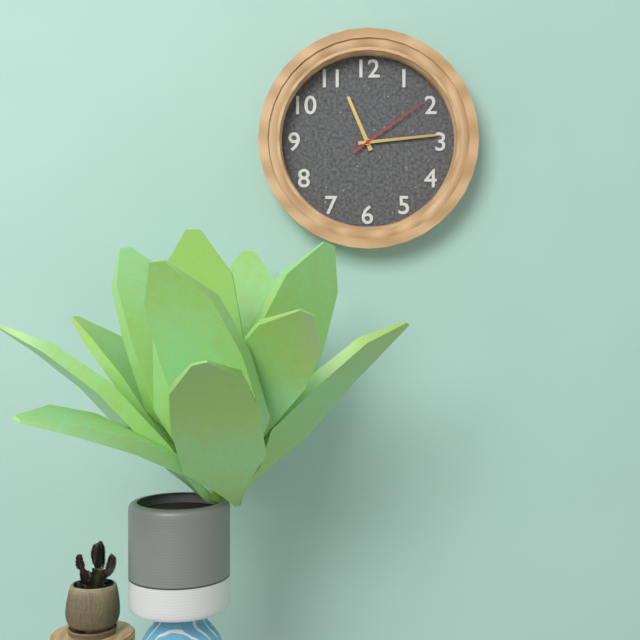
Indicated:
h=11 m=14 s=9
